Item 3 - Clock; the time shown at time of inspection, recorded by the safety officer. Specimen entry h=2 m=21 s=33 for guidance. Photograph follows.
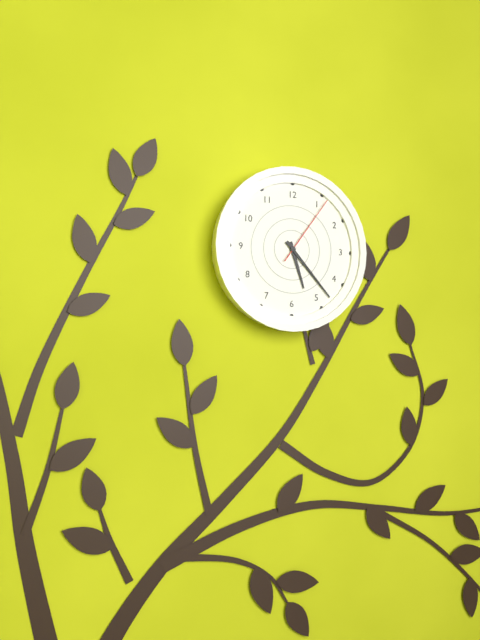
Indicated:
h=5 m=23 s=6
